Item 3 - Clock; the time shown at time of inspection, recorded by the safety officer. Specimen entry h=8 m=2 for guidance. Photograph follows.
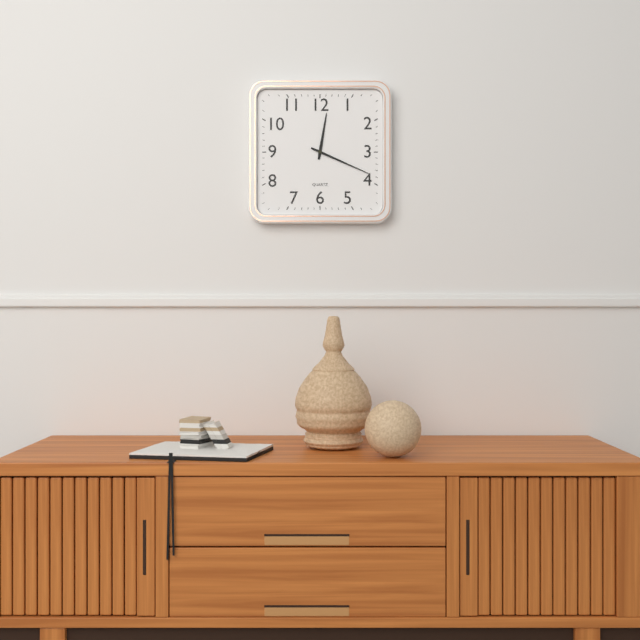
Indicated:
h=12 m=19
